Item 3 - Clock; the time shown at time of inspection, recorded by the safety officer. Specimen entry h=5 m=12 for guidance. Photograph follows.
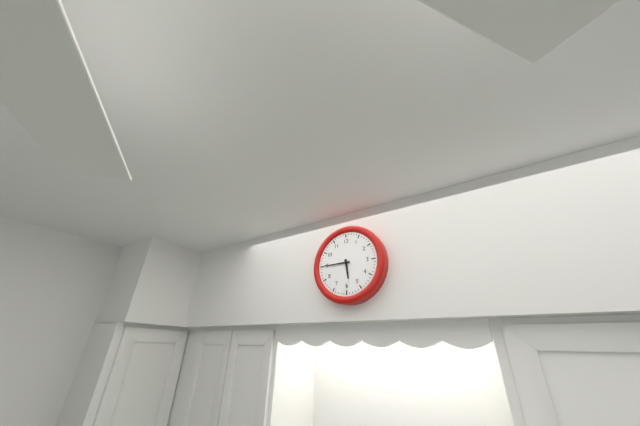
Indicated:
h=5 m=45
